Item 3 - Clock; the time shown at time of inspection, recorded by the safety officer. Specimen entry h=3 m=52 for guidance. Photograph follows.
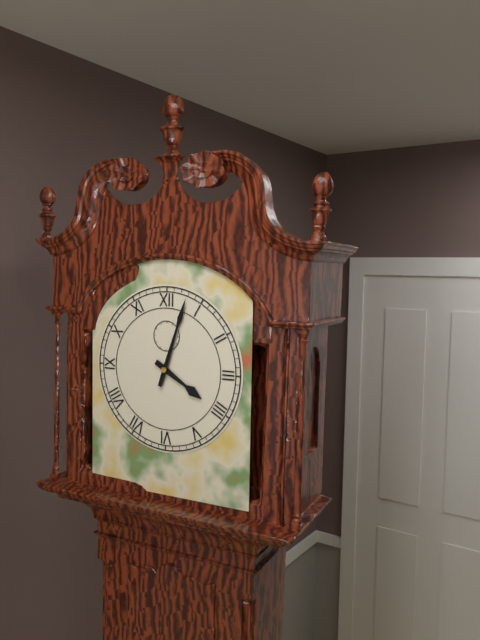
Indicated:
h=4 m=3
